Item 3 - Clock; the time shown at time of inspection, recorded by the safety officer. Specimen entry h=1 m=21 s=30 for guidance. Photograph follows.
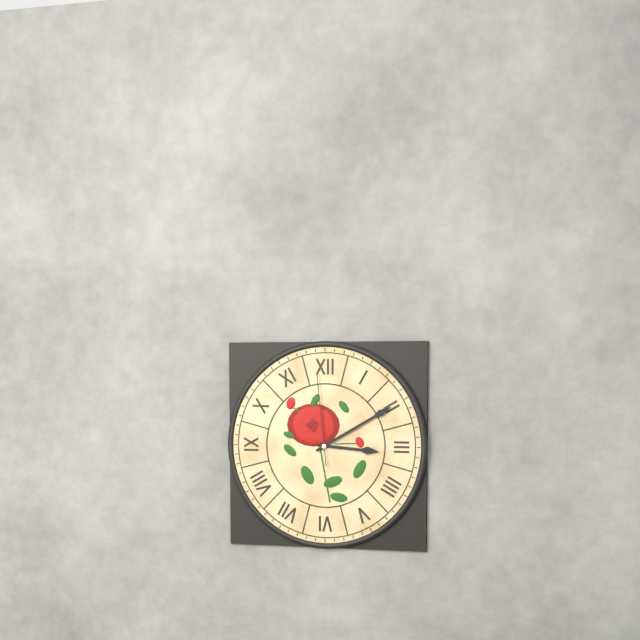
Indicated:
h=3 m=10 s=59
